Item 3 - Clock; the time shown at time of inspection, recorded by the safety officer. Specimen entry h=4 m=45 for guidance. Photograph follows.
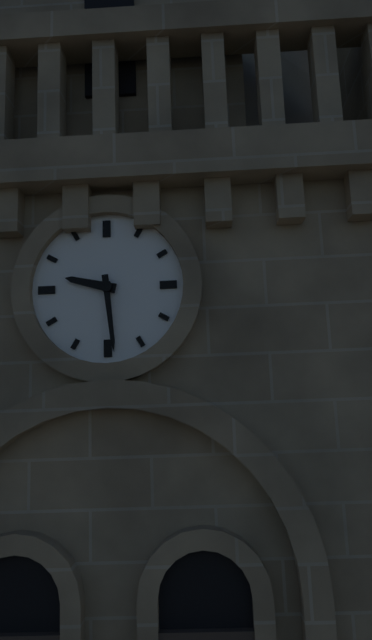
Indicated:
h=9 m=29
